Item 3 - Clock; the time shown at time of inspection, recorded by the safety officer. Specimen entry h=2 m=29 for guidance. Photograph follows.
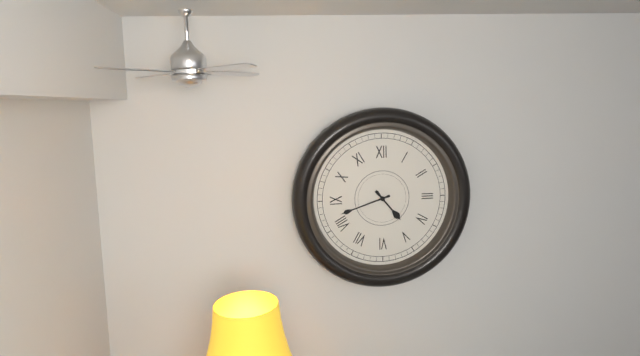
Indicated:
h=4 m=42
